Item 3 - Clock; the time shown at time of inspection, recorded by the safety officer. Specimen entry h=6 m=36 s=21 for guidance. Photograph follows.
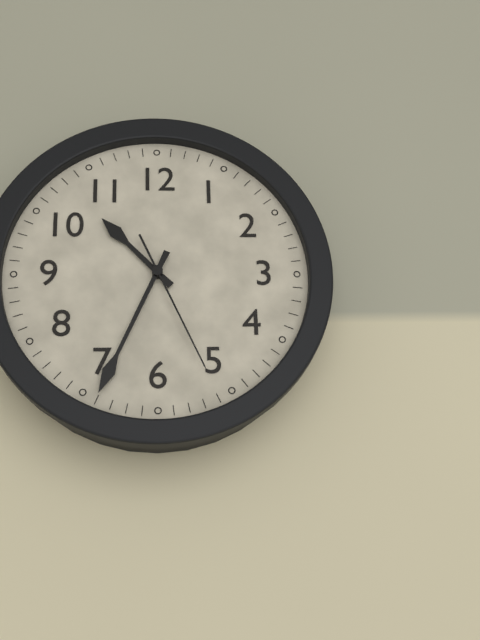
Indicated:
h=10 m=34 s=26
